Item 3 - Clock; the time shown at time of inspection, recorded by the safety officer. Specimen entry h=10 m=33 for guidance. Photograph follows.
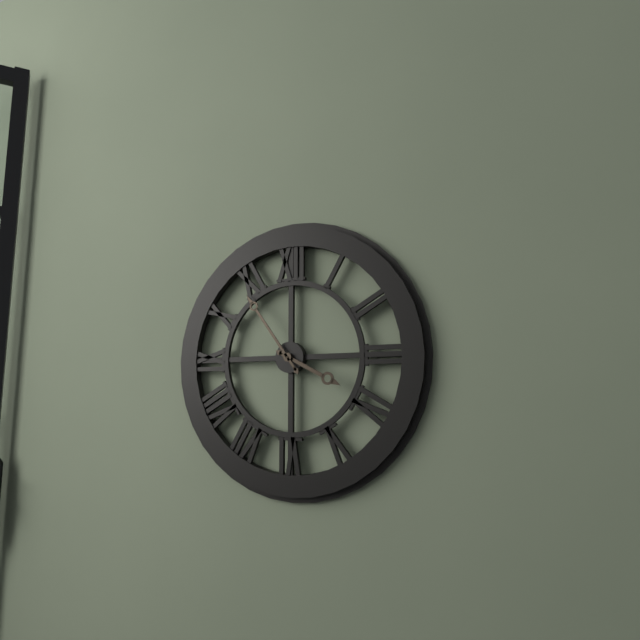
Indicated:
h=3 m=54
